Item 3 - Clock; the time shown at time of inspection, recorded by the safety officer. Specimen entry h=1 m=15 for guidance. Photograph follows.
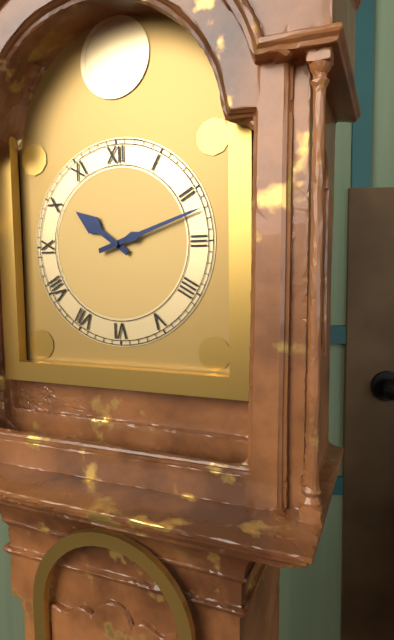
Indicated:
h=10 m=12
